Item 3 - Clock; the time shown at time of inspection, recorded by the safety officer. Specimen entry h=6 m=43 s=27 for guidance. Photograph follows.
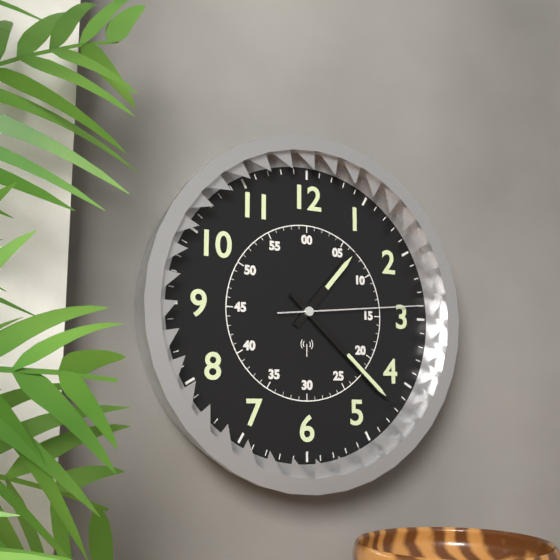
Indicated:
h=1 m=22 s=14
